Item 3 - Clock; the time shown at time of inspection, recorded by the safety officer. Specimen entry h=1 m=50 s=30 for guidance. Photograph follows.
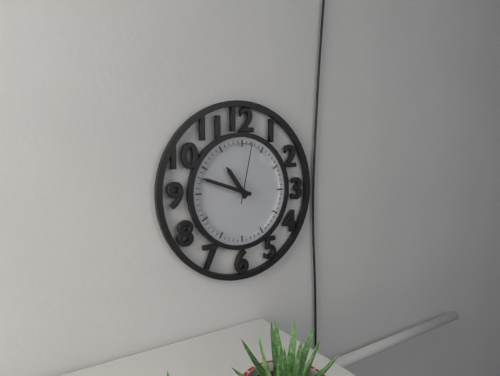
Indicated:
h=10 m=48 s=2
